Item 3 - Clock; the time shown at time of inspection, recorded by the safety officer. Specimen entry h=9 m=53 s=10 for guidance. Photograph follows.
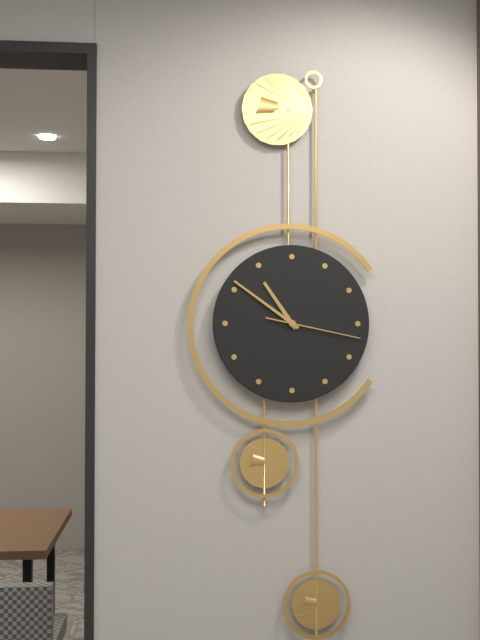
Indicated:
h=10 m=51 s=17
